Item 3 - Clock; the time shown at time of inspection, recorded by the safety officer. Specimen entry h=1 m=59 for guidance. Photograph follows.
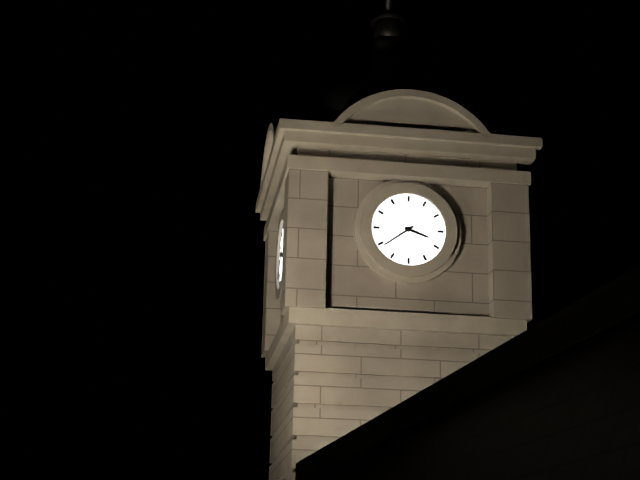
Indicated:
h=3 m=39
